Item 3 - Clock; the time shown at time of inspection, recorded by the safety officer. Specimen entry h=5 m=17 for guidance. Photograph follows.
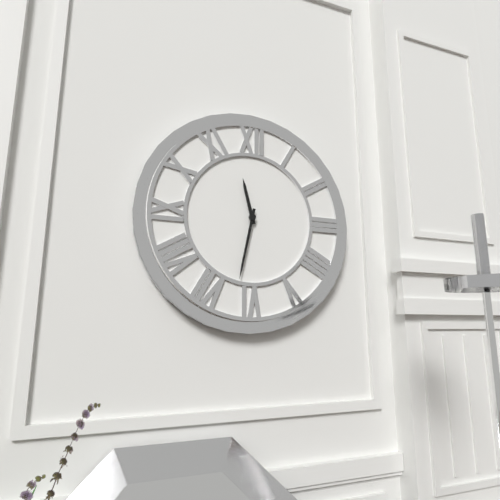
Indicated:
h=11 m=32
